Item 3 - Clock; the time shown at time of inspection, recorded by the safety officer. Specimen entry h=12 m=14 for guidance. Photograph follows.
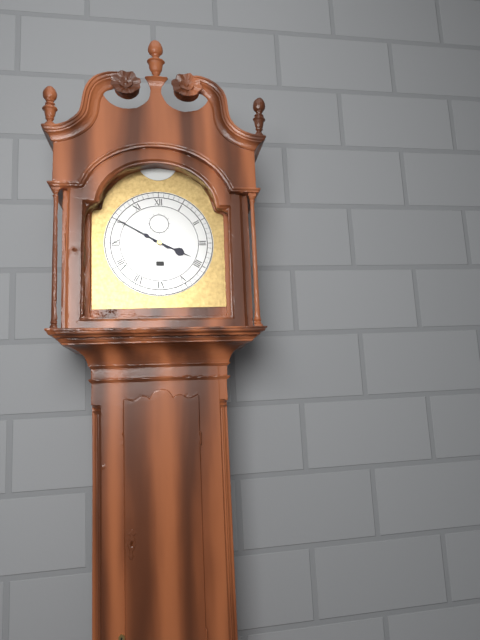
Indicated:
h=3 m=50
